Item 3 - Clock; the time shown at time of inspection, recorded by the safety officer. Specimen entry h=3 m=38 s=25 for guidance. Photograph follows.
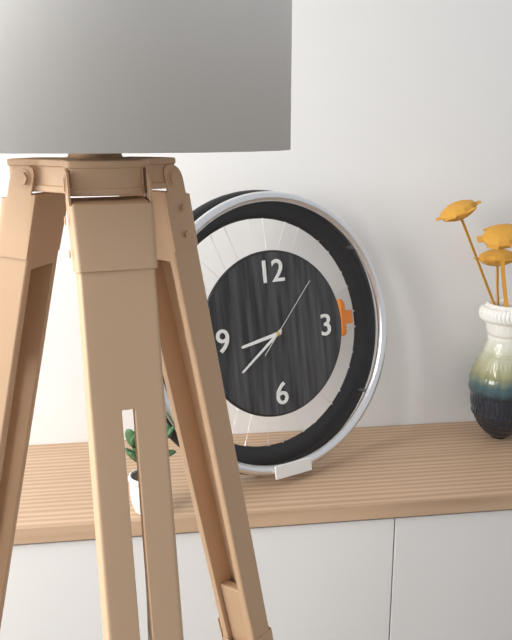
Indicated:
h=8 m=39 s=7
